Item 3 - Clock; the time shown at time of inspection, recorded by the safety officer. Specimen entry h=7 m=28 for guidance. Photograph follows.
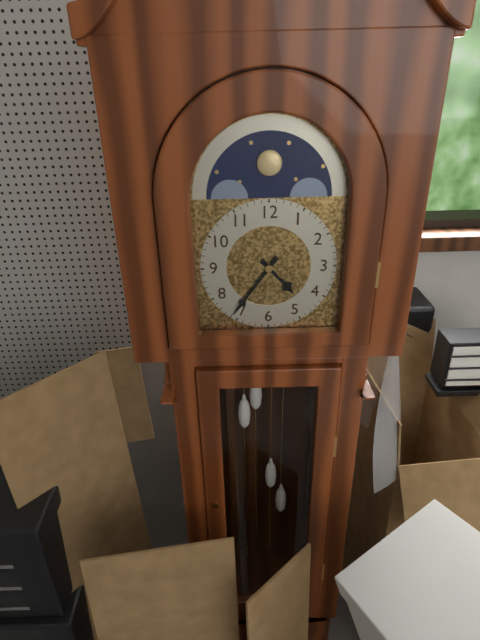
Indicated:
h=4 m=36
